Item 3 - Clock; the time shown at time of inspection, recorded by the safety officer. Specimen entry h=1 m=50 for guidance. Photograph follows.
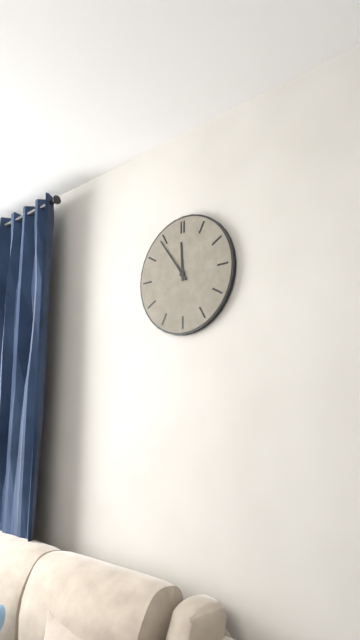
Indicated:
h=11 m=54
